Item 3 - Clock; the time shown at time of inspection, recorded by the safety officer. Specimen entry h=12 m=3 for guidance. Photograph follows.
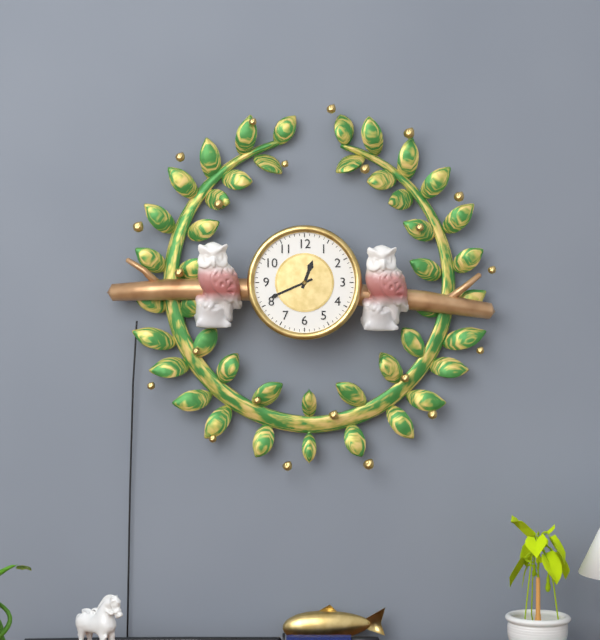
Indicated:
h=12 m=41
